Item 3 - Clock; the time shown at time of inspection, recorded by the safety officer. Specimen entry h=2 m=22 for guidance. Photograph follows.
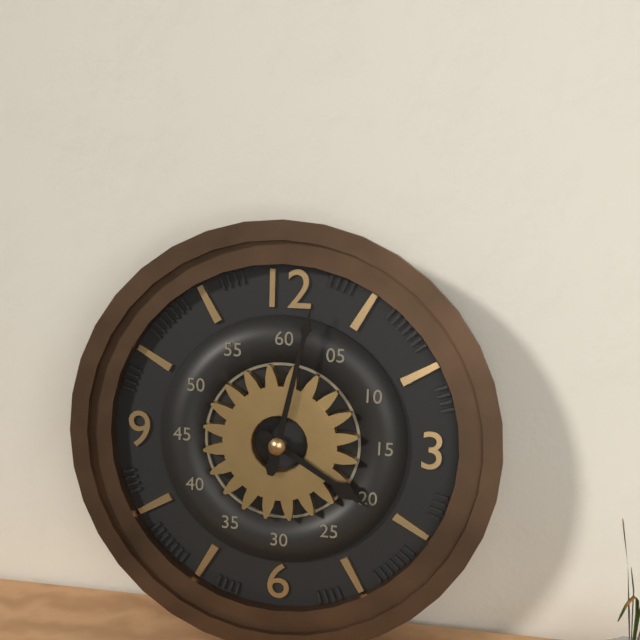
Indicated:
h=4 m=2
